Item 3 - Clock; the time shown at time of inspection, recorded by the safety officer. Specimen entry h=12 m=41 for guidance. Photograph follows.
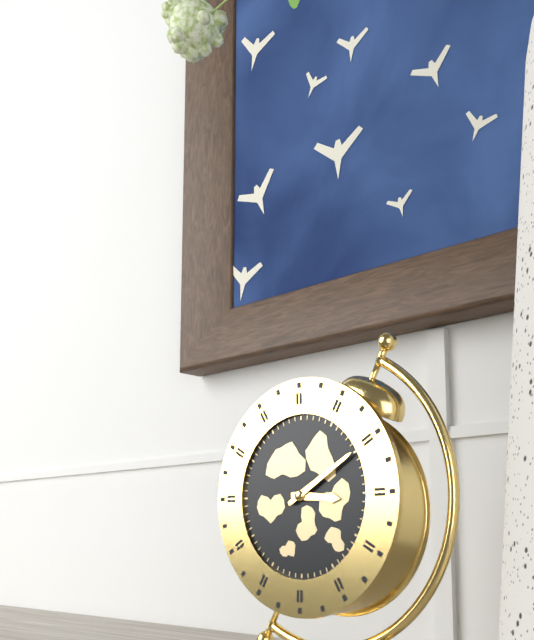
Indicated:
h=3 m=10
